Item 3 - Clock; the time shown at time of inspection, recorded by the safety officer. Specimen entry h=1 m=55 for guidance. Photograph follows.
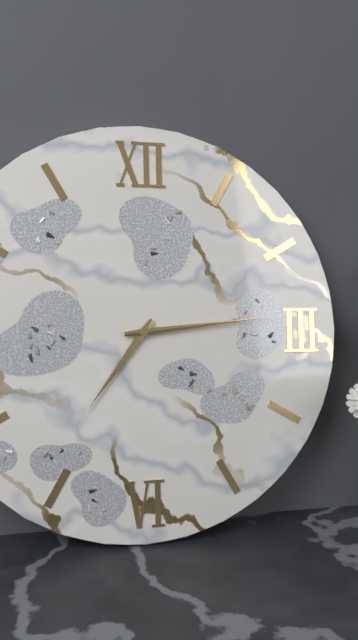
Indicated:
h=7 m=14
